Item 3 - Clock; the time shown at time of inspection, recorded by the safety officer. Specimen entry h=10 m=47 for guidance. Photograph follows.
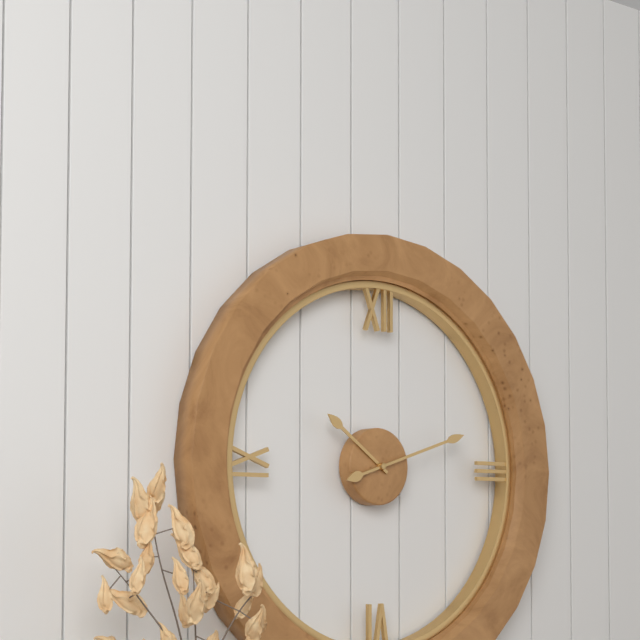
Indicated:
h=10 m=12
